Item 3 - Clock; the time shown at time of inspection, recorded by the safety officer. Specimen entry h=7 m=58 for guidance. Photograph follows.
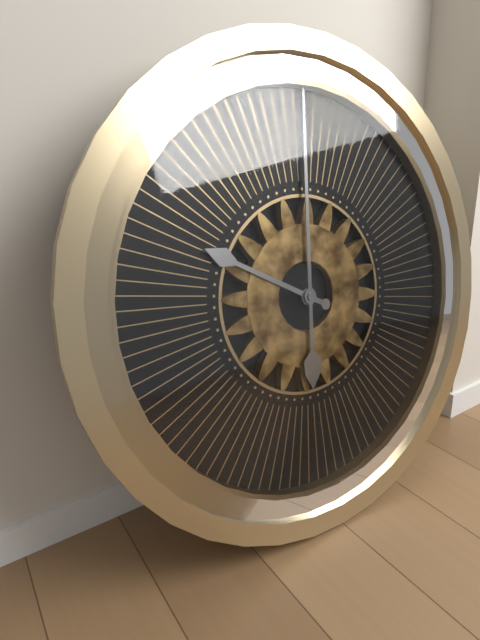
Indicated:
h=10 m=1
